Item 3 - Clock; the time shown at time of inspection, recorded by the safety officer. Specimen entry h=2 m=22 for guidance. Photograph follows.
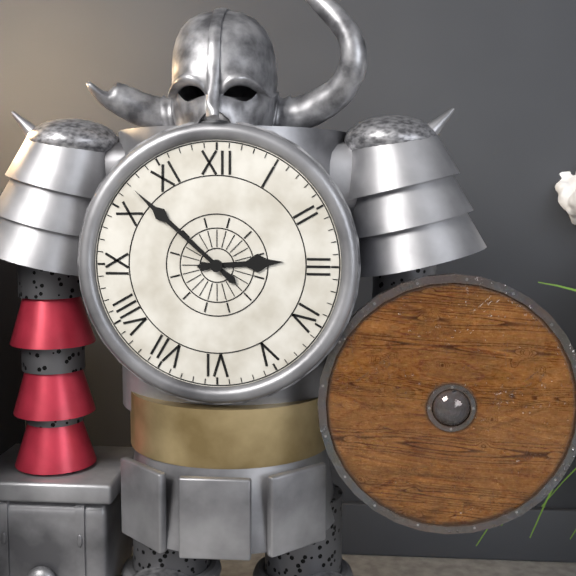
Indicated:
h=2 m=52
